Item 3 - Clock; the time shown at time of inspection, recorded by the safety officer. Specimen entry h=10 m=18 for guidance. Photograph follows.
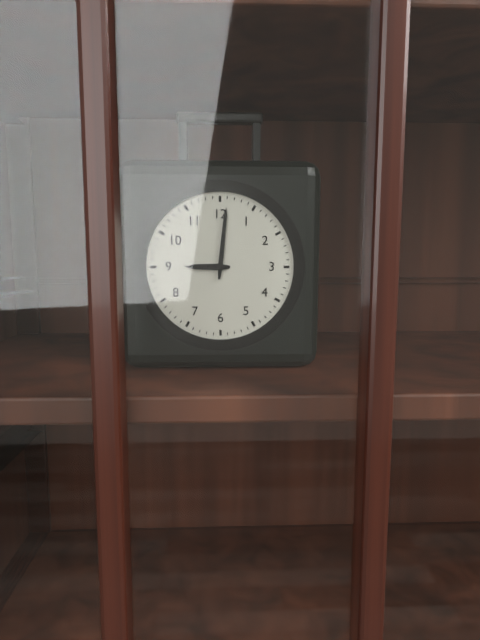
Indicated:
h=9 m=1
